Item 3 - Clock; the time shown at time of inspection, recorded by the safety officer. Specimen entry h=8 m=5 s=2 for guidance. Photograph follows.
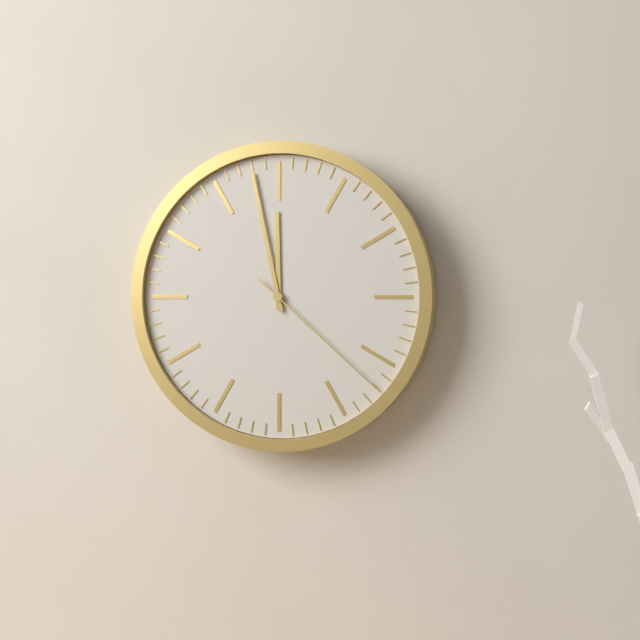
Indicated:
h=11 m=58 s=22
